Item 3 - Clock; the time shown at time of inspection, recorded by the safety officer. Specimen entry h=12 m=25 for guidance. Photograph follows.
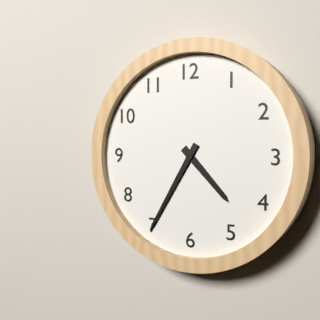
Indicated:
h=4 m=35
